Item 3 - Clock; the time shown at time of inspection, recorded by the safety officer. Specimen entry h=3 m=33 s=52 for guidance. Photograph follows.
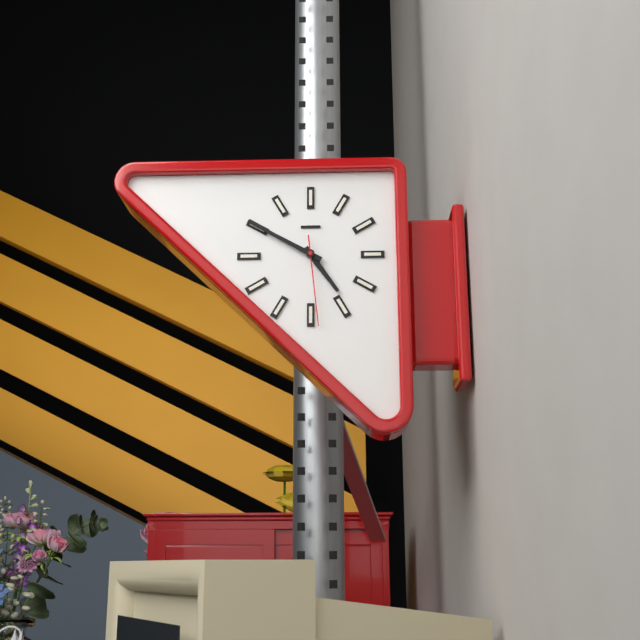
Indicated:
h=4 m=50 s=29
